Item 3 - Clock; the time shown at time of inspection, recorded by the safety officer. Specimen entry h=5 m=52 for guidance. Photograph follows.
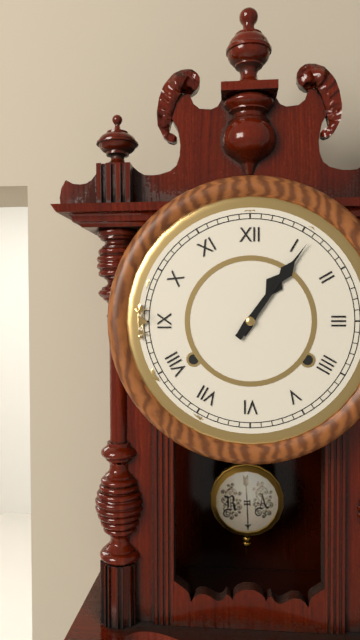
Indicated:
h=1 m=6
